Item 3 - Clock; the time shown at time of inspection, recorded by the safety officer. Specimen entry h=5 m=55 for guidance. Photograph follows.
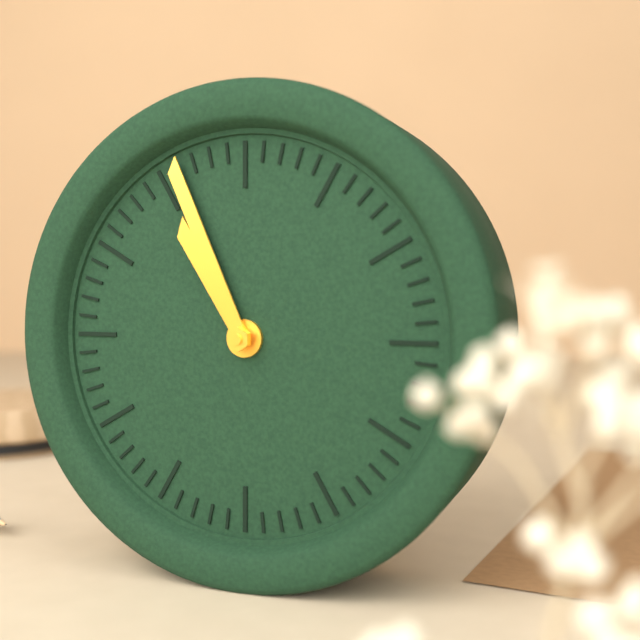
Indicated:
h=10 m=56
